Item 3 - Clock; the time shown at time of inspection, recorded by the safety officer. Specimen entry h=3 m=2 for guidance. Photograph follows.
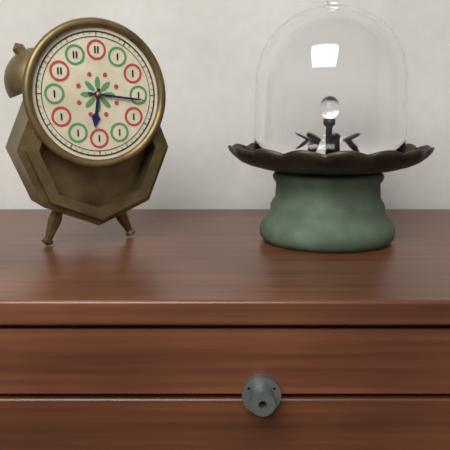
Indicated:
h=6 m=16
